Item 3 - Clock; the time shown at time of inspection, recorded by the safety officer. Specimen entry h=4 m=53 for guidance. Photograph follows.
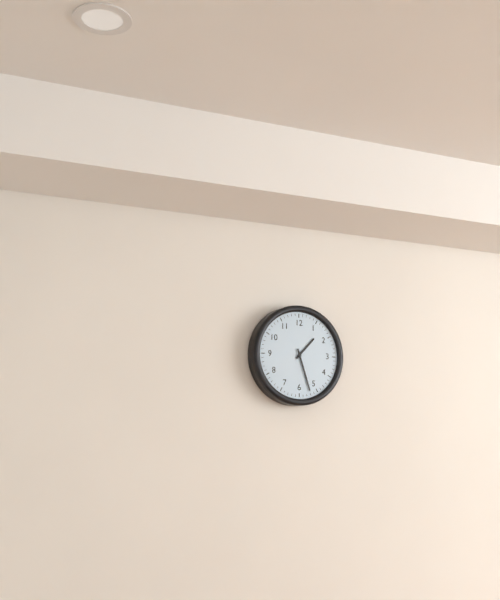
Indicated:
h=1 m=27
